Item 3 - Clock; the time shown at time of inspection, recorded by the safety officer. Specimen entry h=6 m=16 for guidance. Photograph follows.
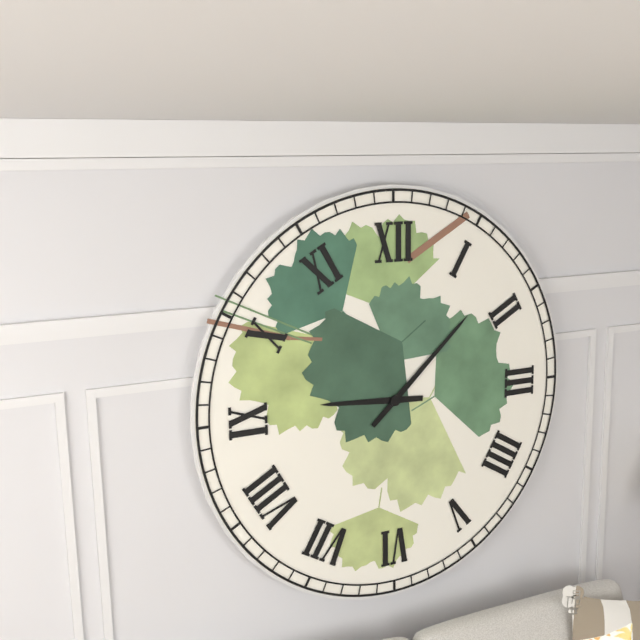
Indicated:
h=9 m=8
